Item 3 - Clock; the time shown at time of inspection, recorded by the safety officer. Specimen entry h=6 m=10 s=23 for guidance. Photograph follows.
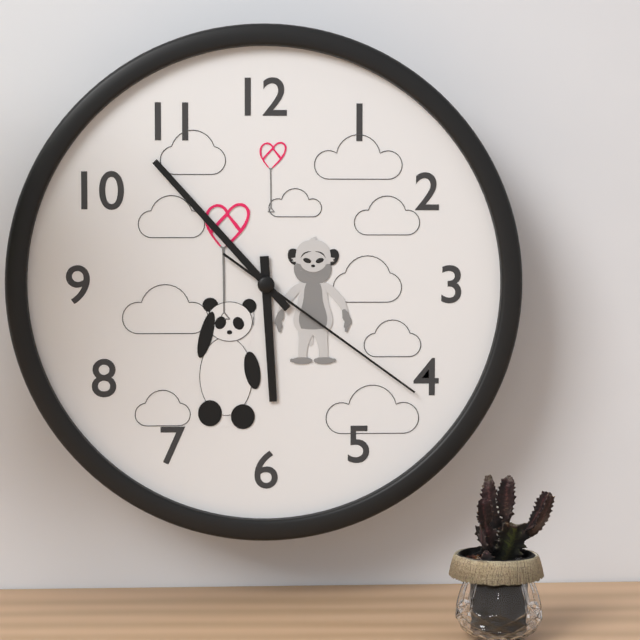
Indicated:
h=5 m=53 s=21
